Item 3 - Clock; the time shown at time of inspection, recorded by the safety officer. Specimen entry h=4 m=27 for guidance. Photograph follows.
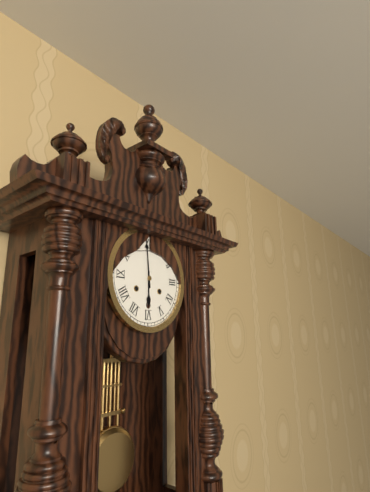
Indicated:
h=5 m=59
